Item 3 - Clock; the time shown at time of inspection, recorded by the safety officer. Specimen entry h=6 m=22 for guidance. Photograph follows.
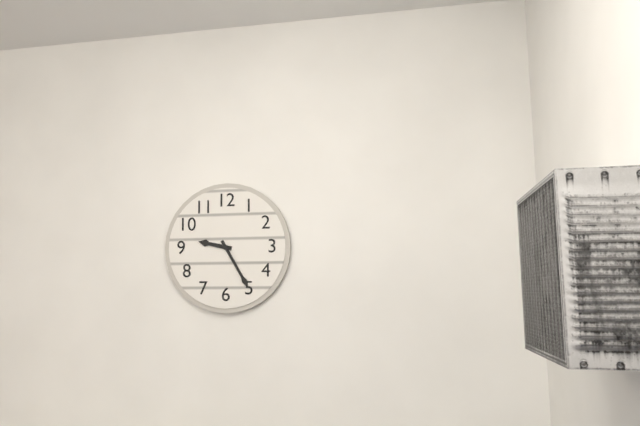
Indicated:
h=9 m=25
